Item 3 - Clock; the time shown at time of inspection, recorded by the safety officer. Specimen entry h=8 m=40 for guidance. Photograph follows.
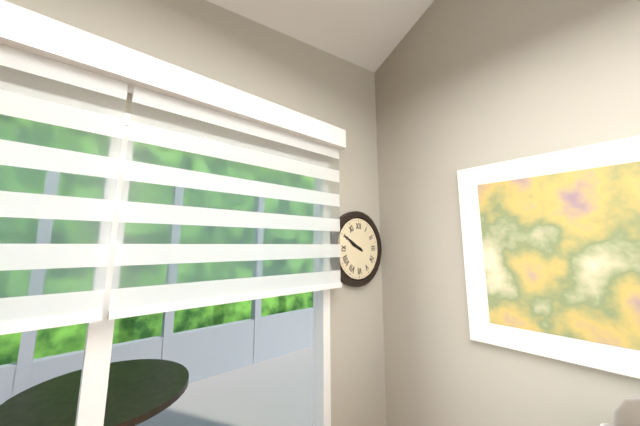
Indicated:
h=9 m=50
